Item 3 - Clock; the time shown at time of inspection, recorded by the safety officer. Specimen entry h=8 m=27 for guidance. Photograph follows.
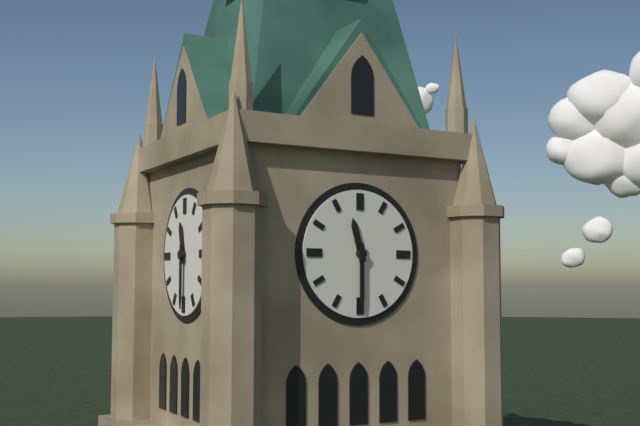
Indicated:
h=11 m=30
